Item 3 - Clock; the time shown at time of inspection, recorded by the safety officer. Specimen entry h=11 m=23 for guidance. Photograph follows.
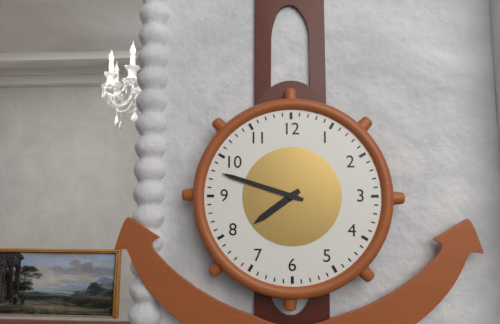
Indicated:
h=7 m=48
